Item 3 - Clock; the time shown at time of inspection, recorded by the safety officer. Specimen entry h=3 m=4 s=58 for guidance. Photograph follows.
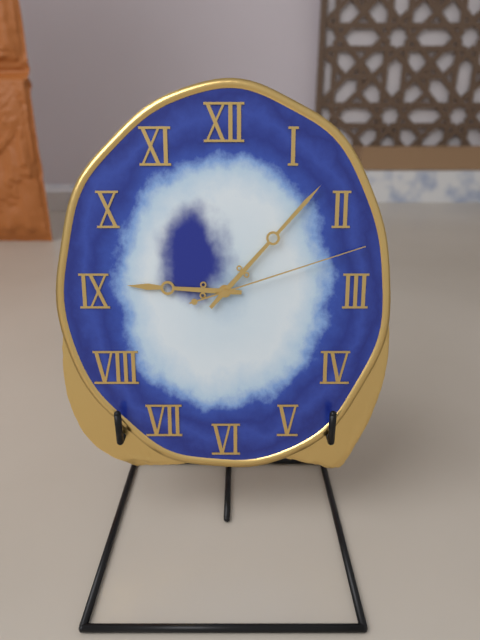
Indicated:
h=9 m=7 s=12
